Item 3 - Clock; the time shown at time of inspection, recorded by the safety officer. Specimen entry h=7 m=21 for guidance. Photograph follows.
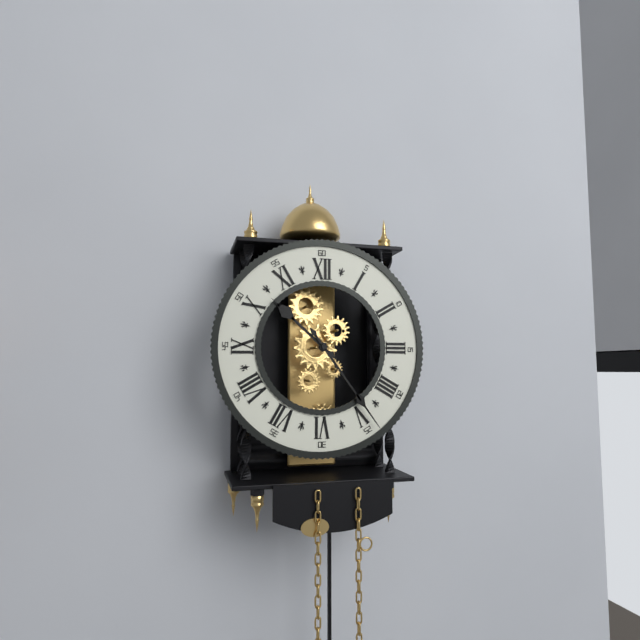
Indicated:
h=10 m=24
